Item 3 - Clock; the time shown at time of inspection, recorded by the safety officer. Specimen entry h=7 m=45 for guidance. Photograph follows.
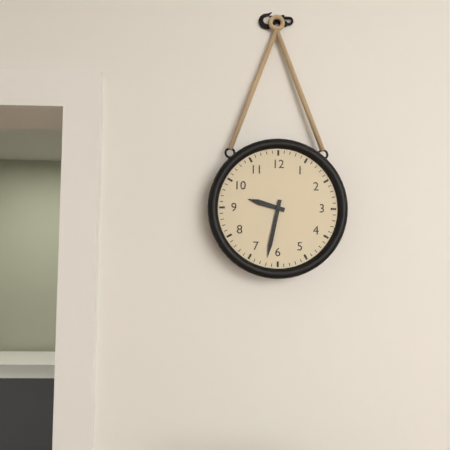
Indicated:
h=9 m=32
